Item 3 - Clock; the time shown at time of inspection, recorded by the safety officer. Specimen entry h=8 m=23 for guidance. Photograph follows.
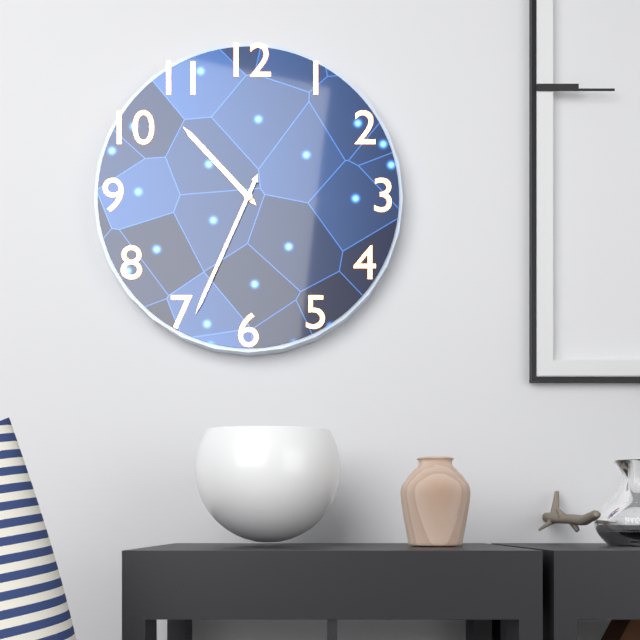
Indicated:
h=10 m=34
